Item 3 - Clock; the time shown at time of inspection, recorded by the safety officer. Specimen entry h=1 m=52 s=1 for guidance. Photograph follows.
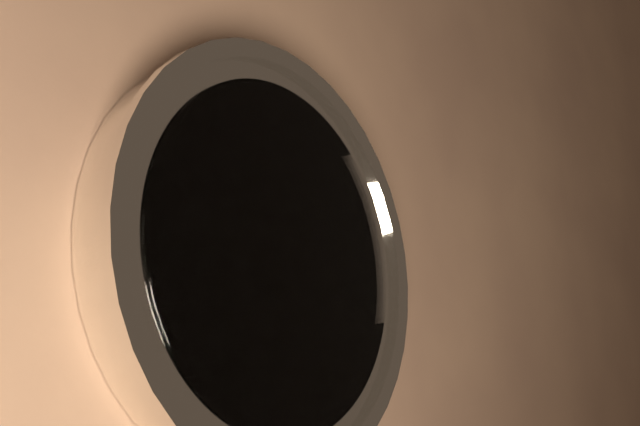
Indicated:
h=5 m=52 s=15
